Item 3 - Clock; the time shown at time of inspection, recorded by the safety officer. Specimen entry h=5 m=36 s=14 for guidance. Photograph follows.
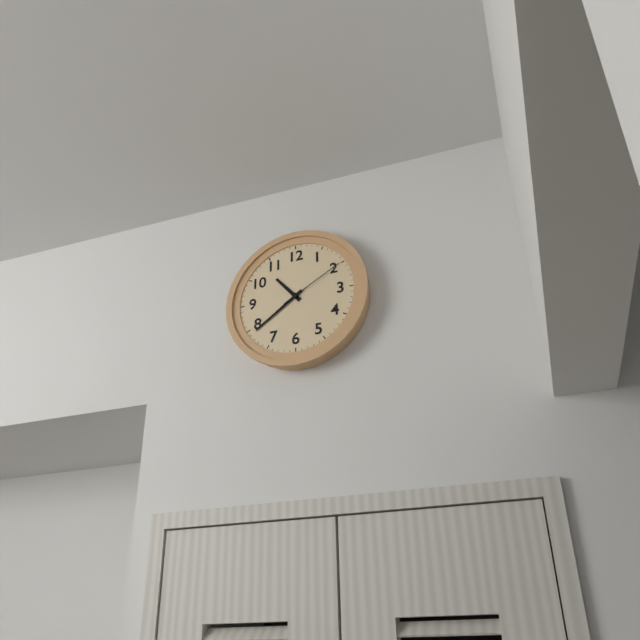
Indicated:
h=10 m=39 s=10
